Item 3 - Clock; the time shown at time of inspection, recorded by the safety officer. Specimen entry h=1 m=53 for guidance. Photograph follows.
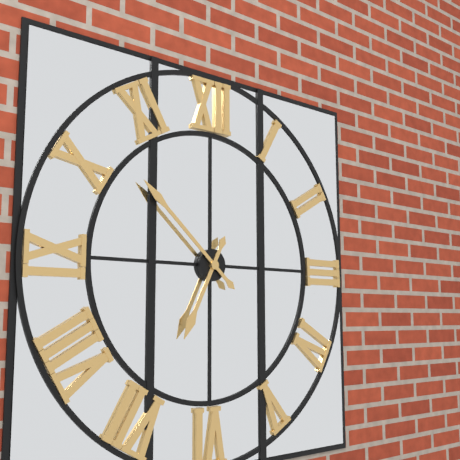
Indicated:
h=6 m=52
